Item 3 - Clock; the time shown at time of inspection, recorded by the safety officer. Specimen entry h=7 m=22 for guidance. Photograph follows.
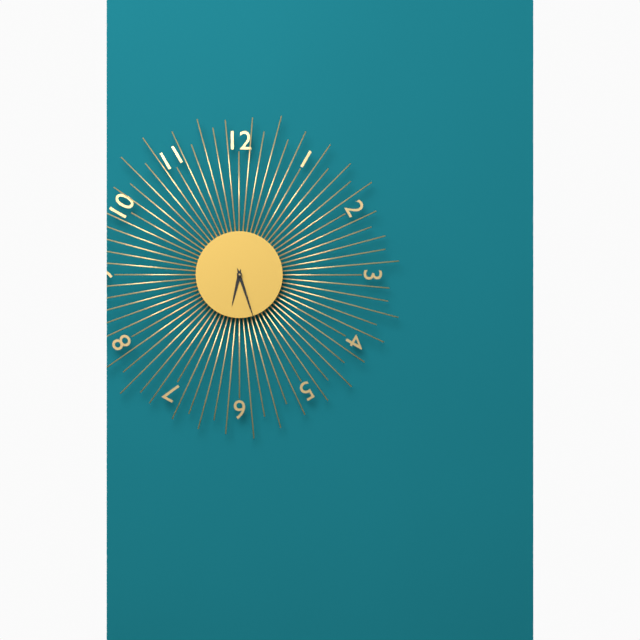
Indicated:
h=6 m=27
